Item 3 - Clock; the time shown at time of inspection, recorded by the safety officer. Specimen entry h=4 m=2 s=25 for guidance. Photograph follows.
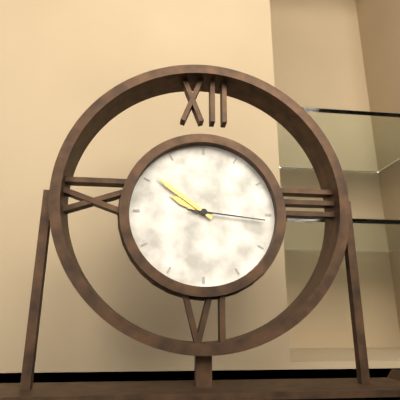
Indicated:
h=9 m=51 s=16
